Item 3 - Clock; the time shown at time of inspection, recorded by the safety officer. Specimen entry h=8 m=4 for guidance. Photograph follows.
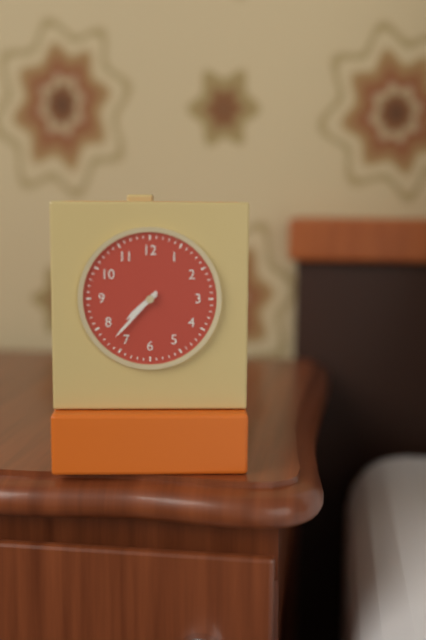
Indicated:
h=7 m=37
